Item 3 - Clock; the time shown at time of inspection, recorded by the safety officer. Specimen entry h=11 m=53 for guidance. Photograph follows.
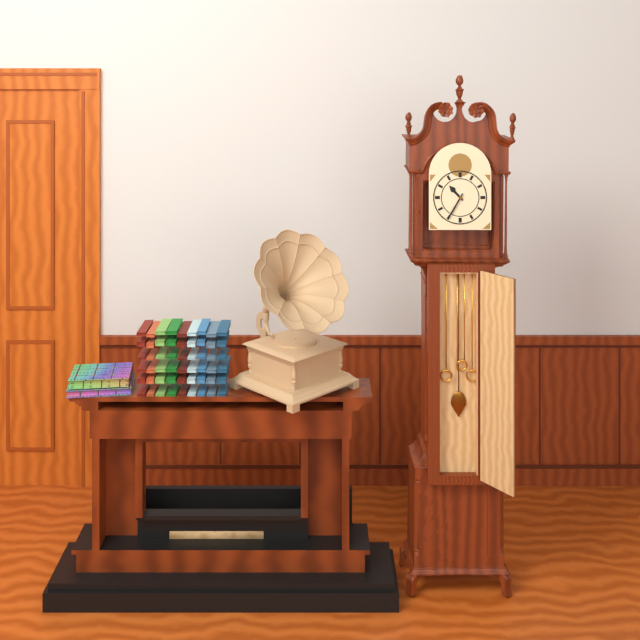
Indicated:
h=10 m=35
